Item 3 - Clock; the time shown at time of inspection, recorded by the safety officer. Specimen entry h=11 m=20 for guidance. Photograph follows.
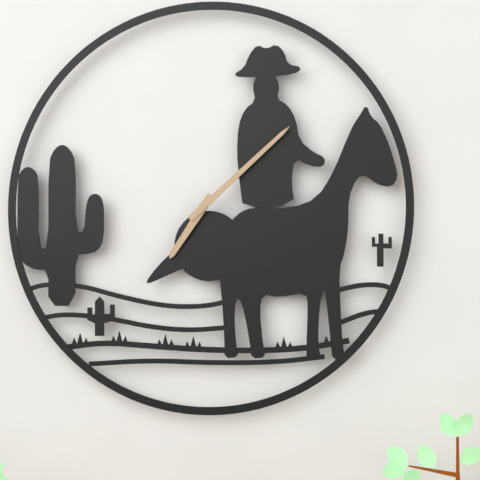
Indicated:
h=7 m=8
